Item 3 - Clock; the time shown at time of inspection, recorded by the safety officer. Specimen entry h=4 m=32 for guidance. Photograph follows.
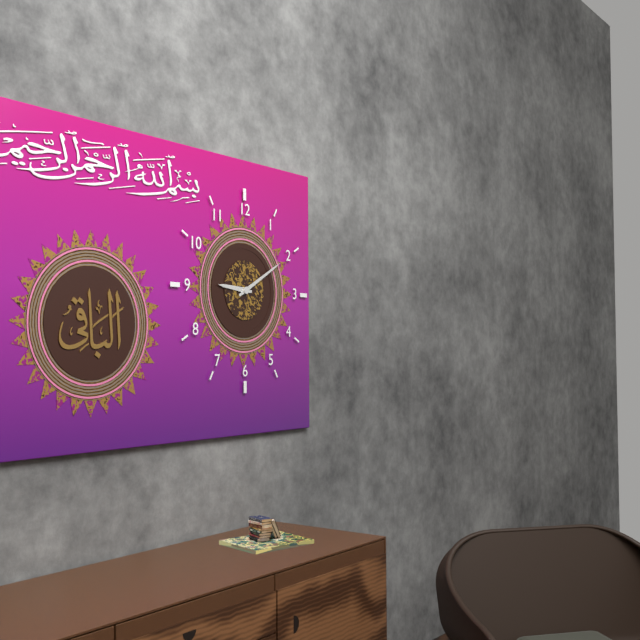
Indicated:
h=9 m=10
